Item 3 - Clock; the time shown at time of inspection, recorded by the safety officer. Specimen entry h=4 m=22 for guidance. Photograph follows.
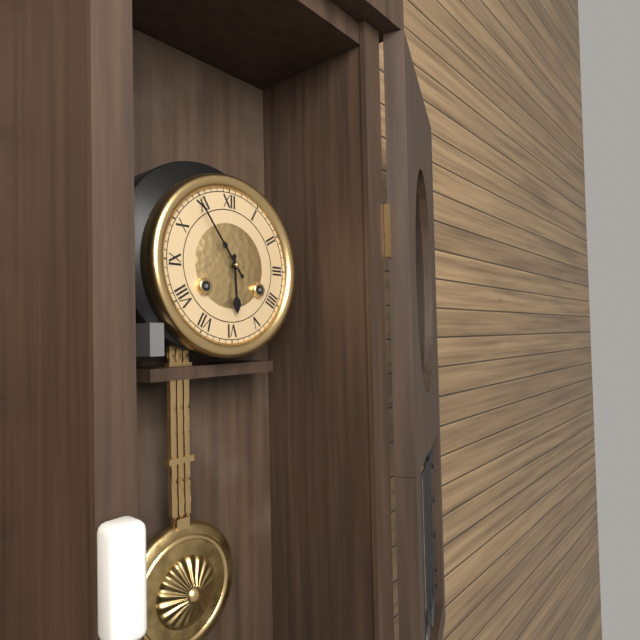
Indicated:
h=5 m=54
